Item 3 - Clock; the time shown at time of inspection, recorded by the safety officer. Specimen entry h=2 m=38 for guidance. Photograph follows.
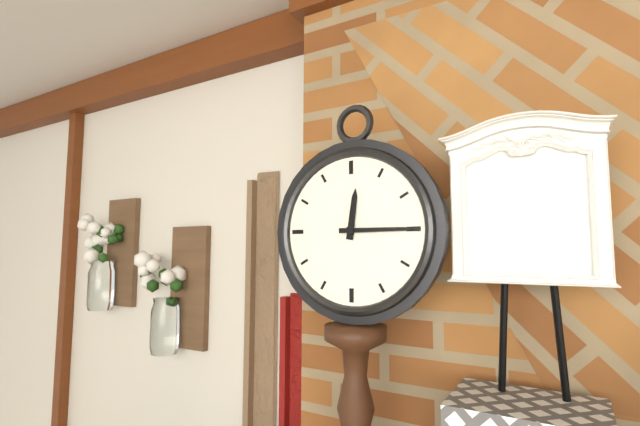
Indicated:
h=12 m=15
